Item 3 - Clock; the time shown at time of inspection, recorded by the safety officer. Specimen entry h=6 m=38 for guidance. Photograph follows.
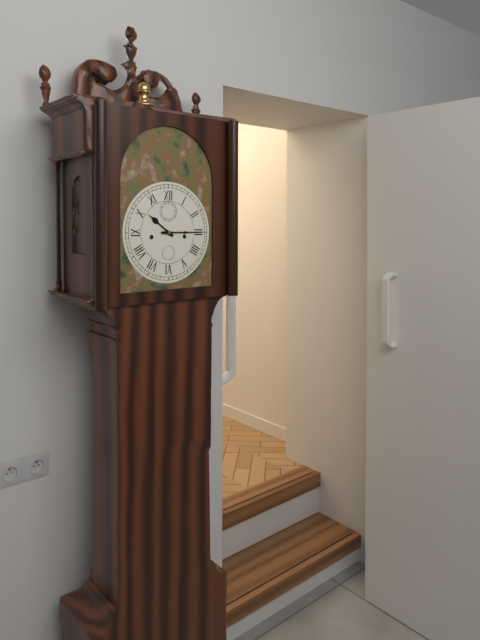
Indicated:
h=10 m=15
